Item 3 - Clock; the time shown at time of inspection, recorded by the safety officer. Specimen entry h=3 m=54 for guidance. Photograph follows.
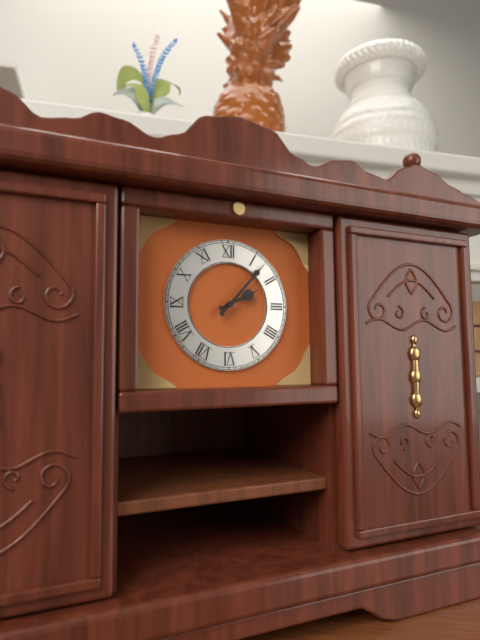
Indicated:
h=2 m=7
